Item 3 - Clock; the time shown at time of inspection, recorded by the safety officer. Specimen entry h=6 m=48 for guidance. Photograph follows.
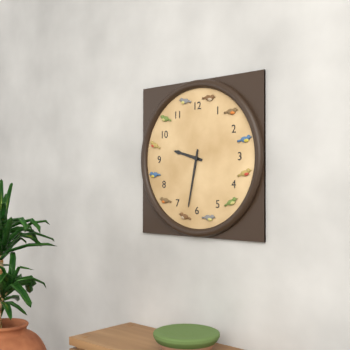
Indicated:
h=9 m=32
